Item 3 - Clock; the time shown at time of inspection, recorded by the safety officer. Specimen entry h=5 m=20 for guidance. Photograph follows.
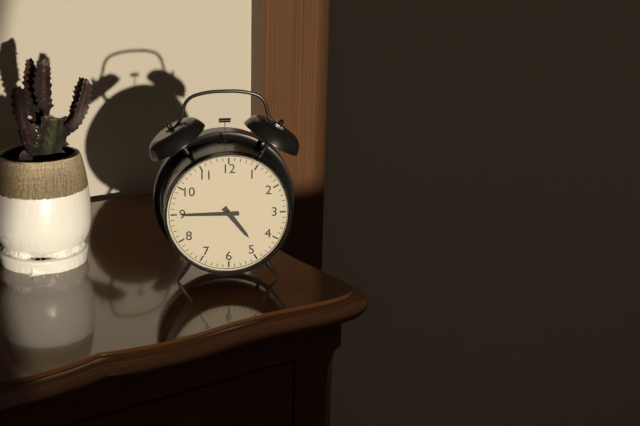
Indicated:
h=4 m=45
